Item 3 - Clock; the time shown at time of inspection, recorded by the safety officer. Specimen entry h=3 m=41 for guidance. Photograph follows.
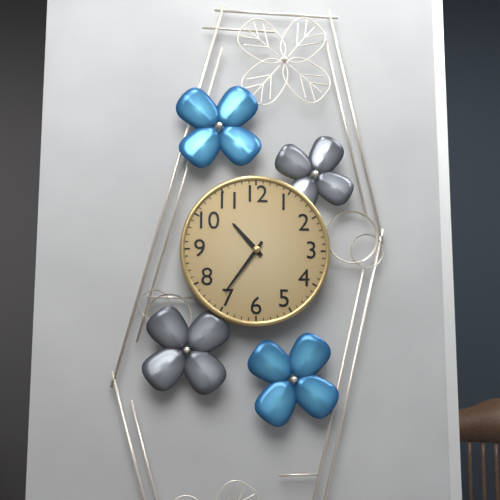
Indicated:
h=10 m=36
